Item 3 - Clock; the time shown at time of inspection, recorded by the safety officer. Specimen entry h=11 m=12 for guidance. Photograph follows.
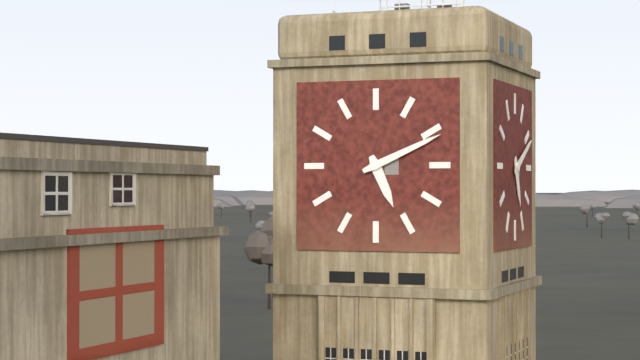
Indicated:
h=5 m=11
